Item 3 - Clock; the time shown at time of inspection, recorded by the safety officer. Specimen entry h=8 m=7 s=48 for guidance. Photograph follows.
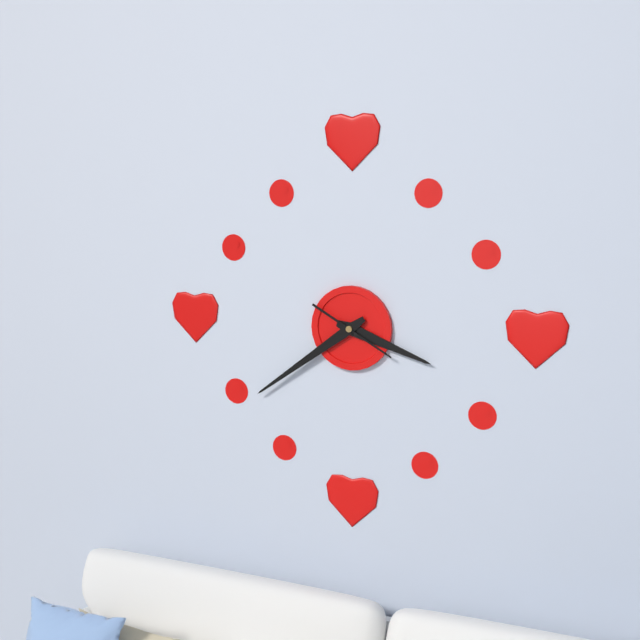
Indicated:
h=3 m=39 s=20
